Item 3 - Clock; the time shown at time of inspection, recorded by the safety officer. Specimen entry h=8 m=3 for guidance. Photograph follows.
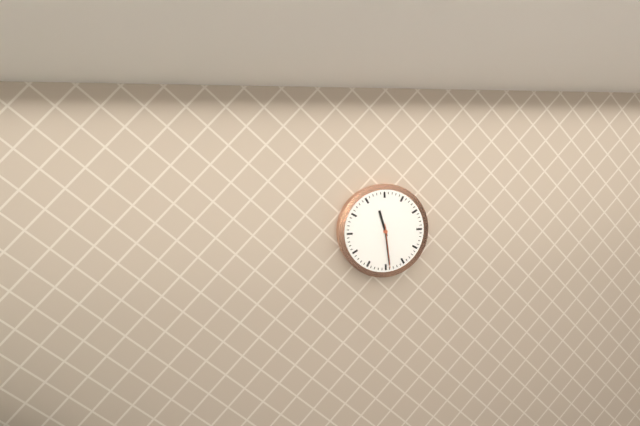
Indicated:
h=11 m=29
